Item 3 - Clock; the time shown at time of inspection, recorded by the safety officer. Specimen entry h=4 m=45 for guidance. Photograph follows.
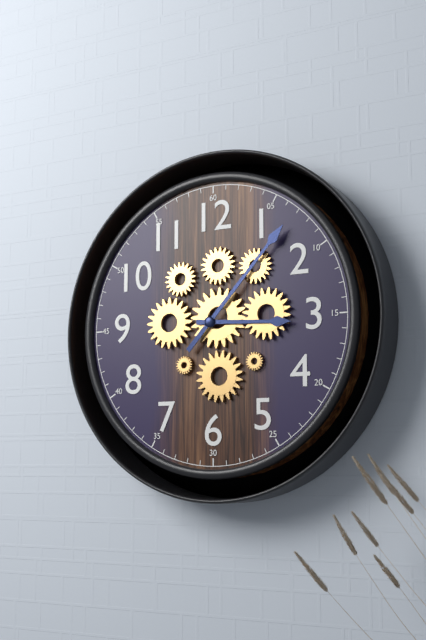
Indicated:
h=3 m=7
